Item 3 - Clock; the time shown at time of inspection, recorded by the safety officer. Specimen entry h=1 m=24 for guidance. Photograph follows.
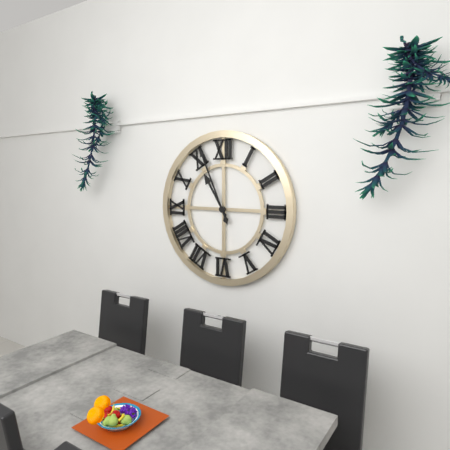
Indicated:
h=10 m=56
